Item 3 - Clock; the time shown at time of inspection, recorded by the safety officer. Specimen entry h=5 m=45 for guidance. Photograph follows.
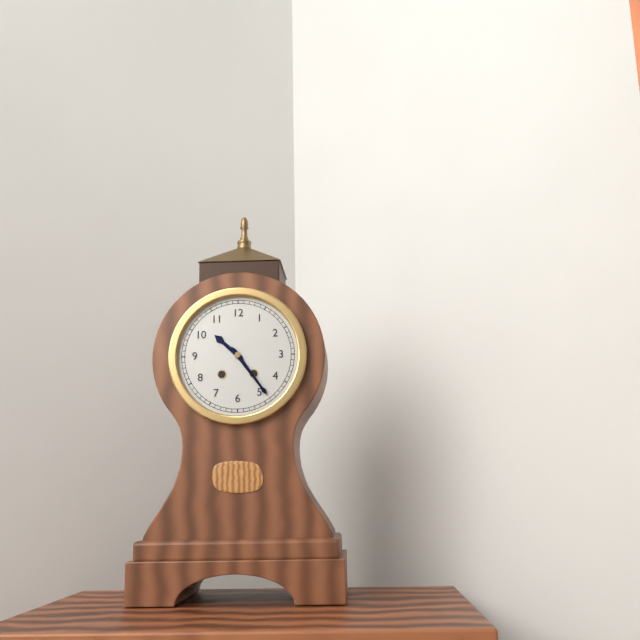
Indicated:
h=10 m=24
